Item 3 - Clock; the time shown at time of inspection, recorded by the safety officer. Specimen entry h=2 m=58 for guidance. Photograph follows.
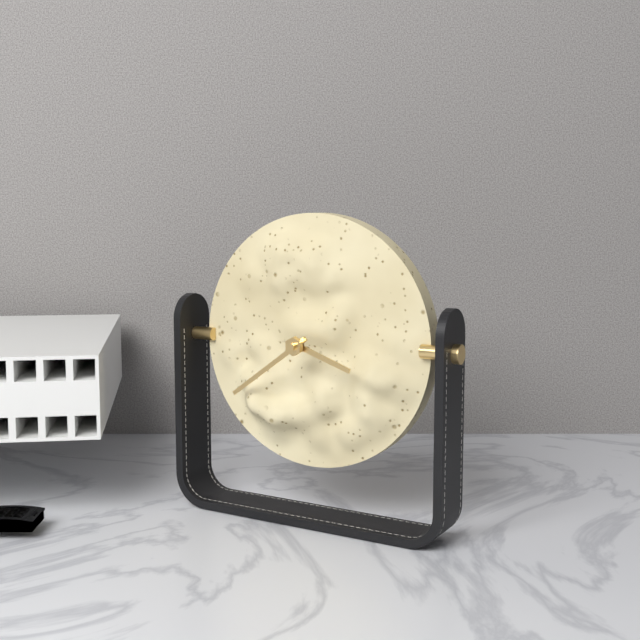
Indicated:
h=3 m=39
